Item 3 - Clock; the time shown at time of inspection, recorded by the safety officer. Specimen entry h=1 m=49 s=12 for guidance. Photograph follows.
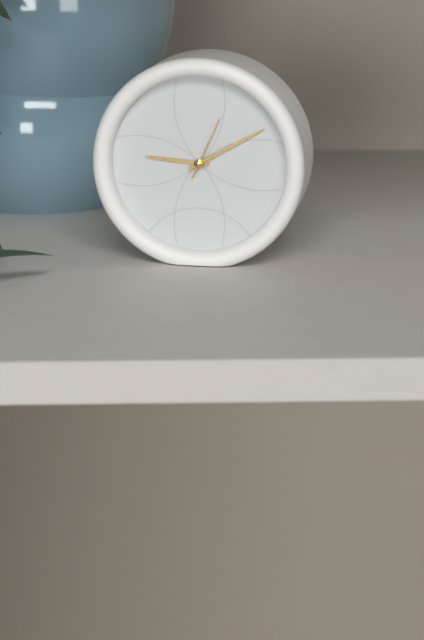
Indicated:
h=9 m=10 s=4
